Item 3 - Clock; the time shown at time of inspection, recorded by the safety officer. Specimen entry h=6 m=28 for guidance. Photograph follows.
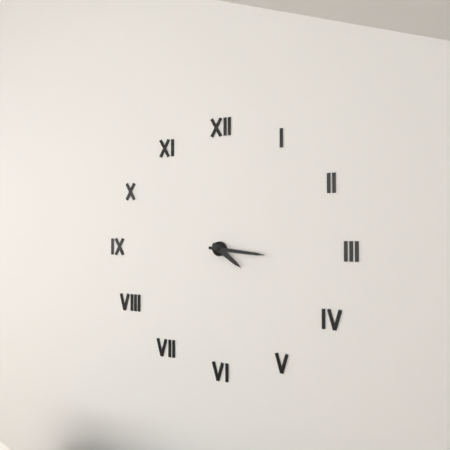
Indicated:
h=4 m=16
